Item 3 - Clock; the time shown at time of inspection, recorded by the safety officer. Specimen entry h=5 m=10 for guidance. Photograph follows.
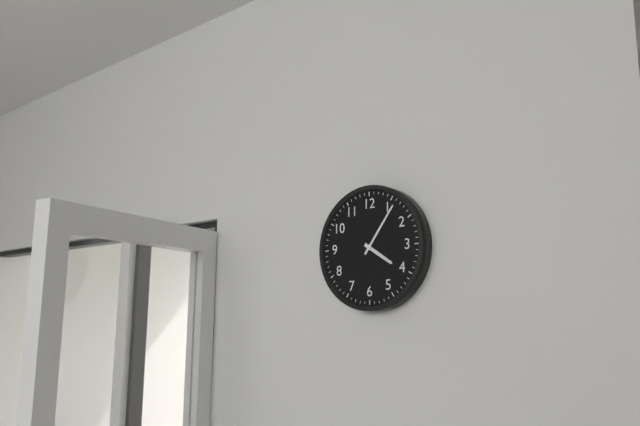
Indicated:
h=4 m=6
